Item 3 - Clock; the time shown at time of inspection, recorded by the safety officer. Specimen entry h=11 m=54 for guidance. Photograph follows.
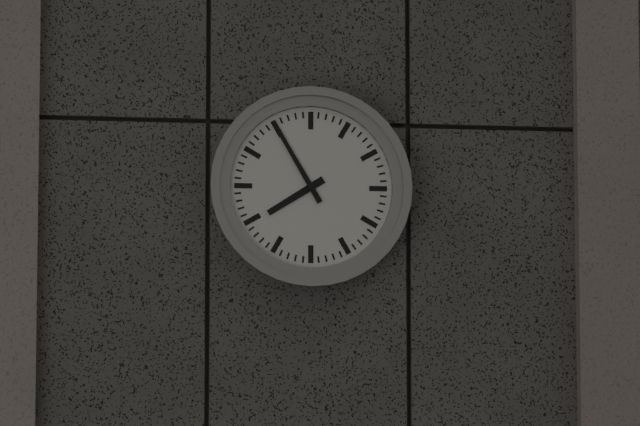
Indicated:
h=7 m=55
